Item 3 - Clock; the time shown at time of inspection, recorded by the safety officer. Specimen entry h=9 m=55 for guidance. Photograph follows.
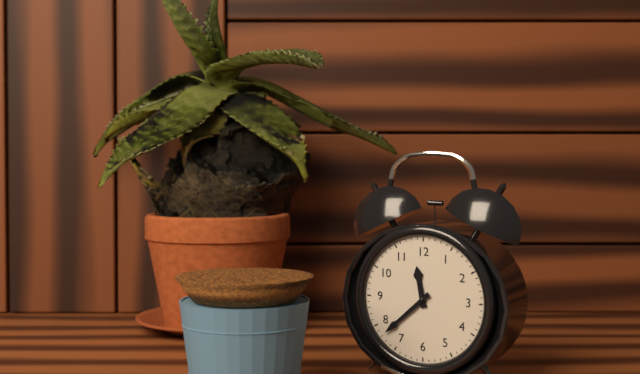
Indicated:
h=11 m=38
